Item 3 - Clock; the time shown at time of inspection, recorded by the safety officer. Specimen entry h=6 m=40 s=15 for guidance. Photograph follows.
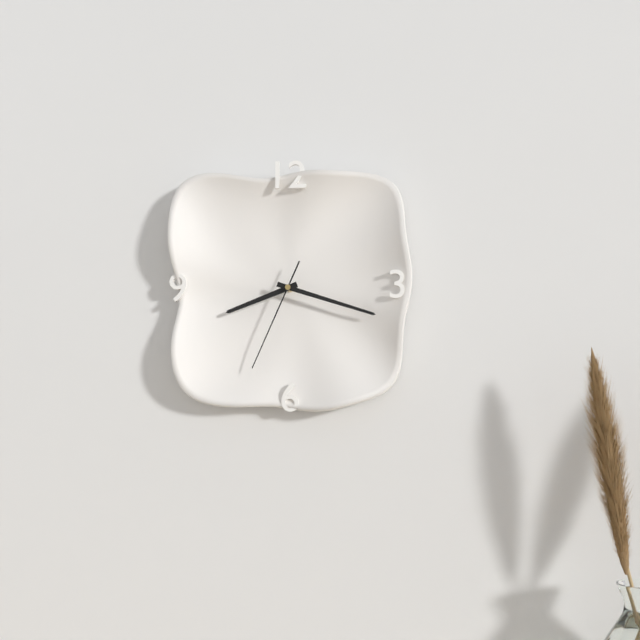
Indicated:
h=8 m=18 s=34
